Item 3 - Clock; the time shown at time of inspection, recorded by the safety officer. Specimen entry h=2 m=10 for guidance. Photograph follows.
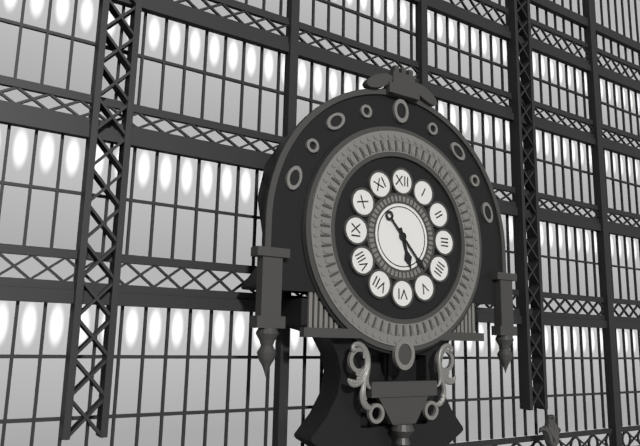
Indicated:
h=5 m=23
